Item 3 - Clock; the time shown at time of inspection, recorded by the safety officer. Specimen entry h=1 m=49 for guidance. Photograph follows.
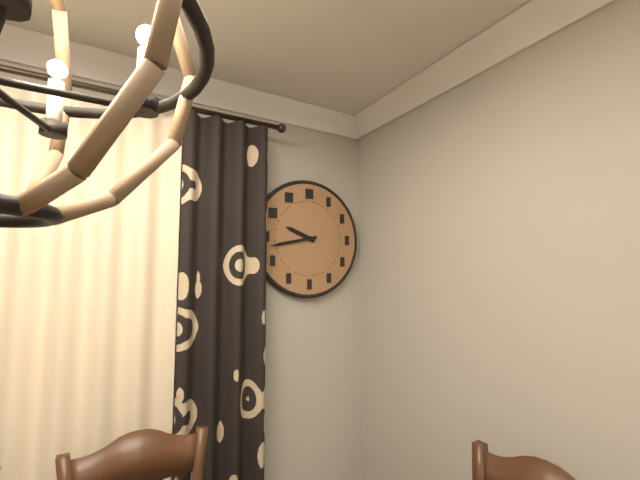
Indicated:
h=9 m=43
